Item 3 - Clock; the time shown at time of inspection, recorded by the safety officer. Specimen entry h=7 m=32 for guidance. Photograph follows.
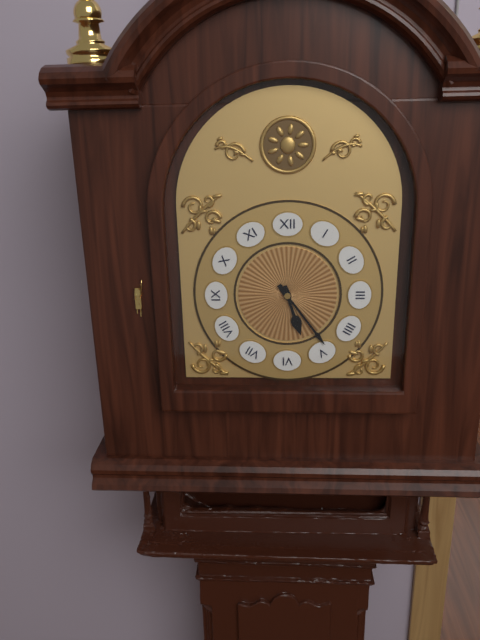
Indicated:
h=5 m=24
